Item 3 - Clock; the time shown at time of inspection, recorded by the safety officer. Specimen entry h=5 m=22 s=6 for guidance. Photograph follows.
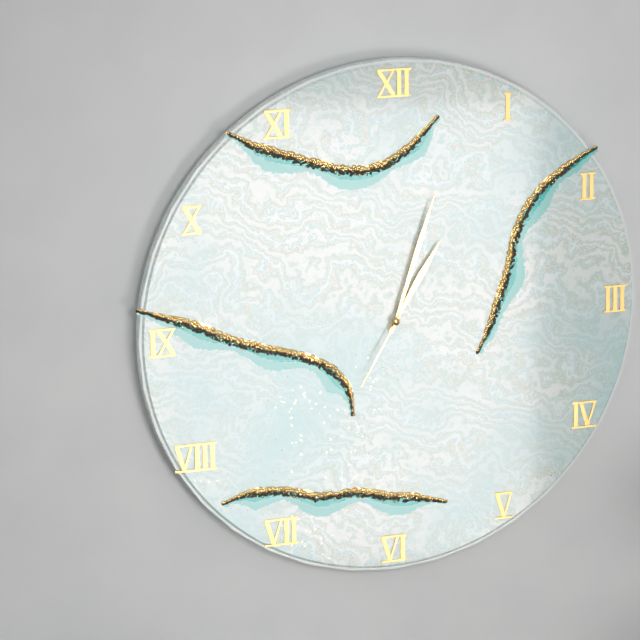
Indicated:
h=1 m=3 s=35
